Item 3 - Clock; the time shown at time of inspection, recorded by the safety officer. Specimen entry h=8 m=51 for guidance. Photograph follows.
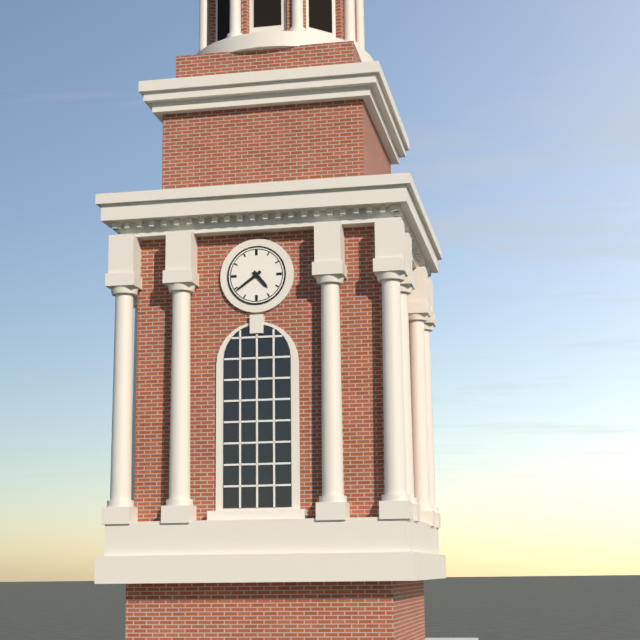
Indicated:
h=4 m=39
